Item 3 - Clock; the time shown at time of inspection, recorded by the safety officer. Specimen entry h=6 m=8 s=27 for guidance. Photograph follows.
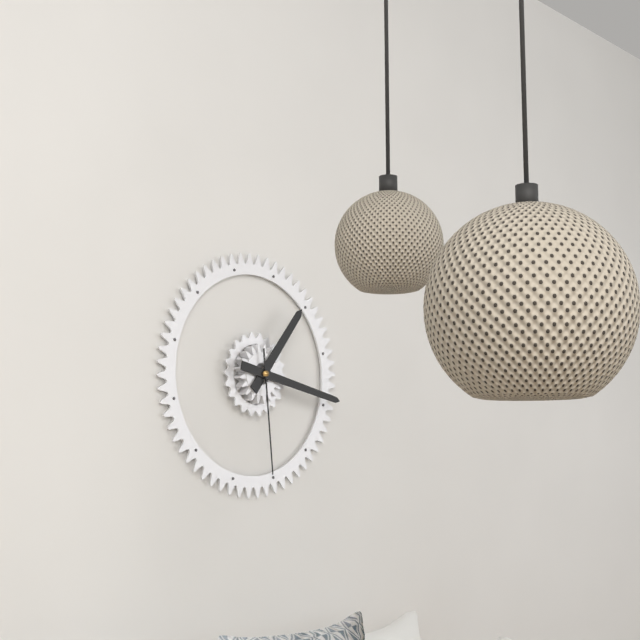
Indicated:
h=1 m=17 s=29
